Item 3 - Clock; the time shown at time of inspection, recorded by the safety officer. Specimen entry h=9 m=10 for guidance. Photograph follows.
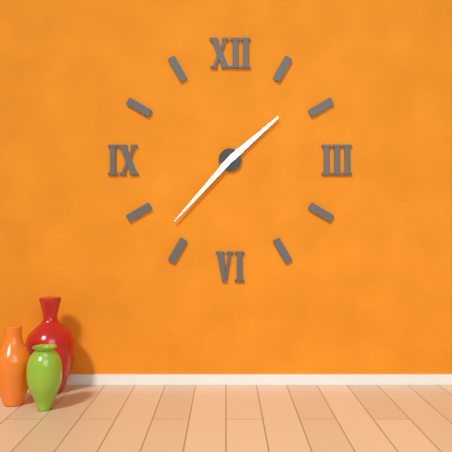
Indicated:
h=1 m=37
